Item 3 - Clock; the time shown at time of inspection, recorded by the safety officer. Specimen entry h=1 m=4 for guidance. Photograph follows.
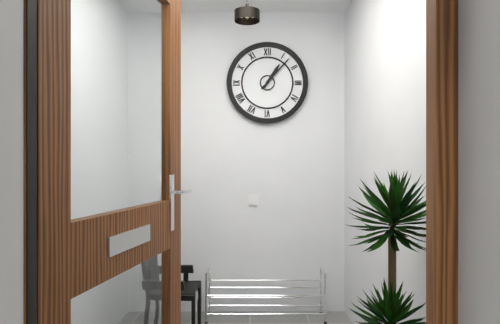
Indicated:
h=1 m=7
